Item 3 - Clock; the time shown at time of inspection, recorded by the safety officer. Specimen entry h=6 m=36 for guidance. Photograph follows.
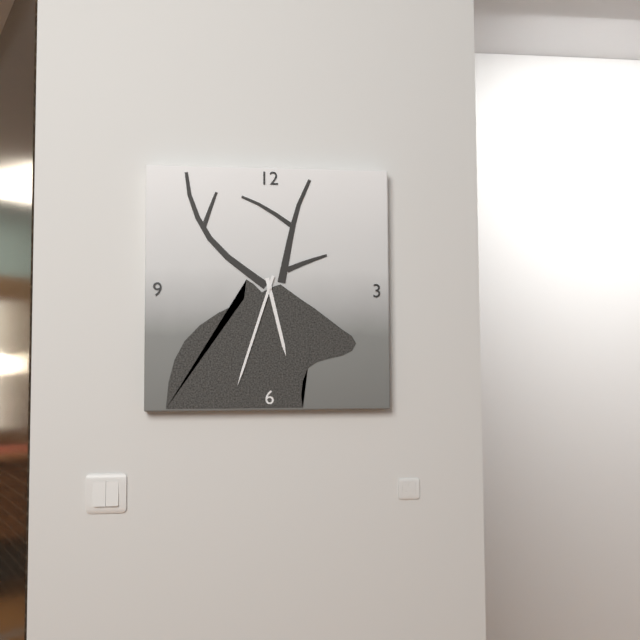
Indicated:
h=5 m=33
